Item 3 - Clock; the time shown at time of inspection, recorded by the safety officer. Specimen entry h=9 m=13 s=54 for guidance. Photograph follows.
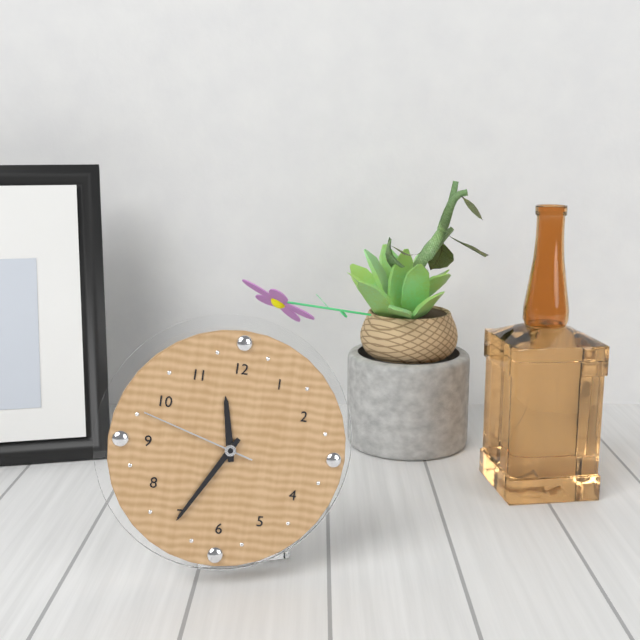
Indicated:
h=11 m=35 s=48
